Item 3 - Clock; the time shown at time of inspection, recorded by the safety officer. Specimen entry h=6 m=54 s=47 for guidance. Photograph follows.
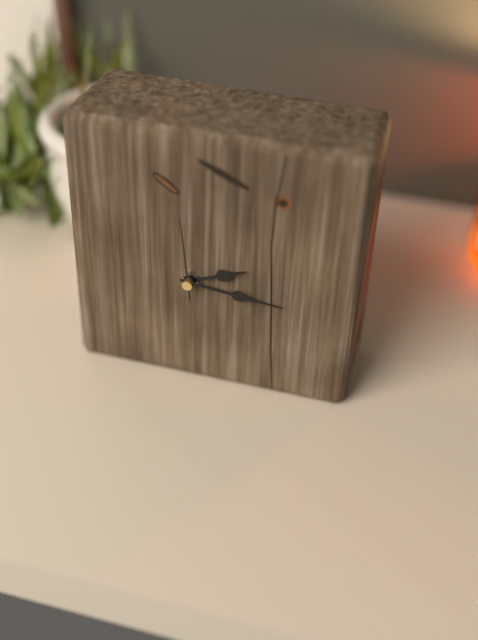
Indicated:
h=2 m=16 s=59
